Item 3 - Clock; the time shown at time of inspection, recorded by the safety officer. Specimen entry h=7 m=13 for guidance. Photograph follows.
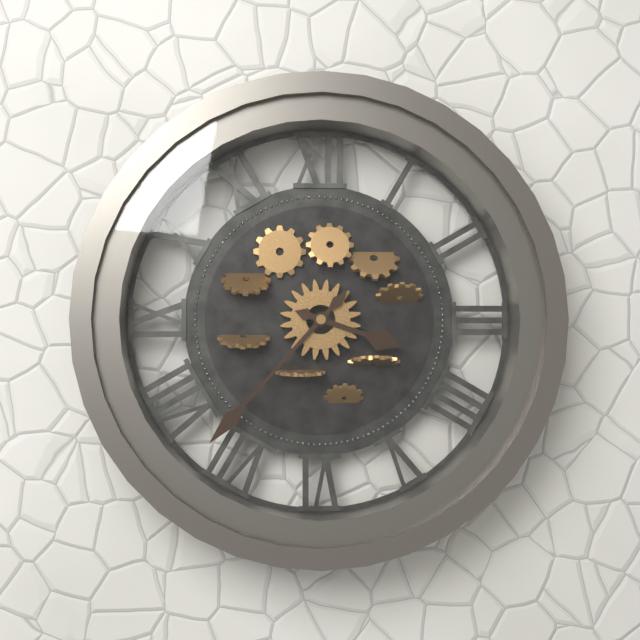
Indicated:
h=3 m=37
